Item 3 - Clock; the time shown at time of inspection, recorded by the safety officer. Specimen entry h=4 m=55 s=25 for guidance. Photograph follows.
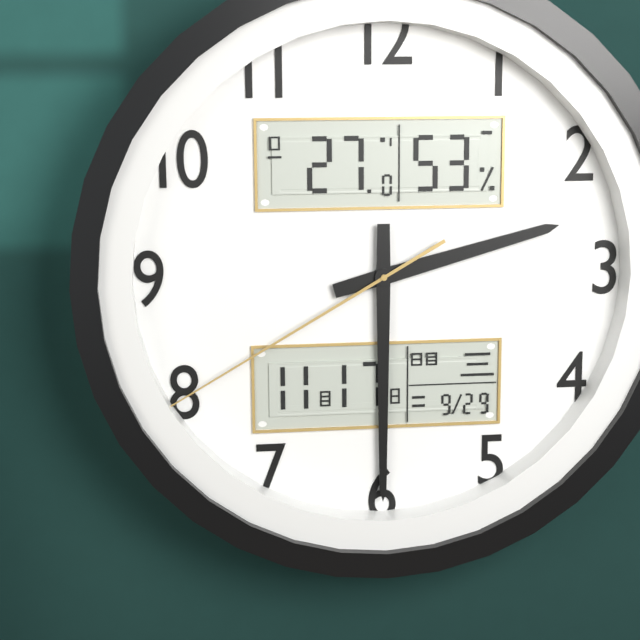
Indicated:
h=2 m=30 s=40
